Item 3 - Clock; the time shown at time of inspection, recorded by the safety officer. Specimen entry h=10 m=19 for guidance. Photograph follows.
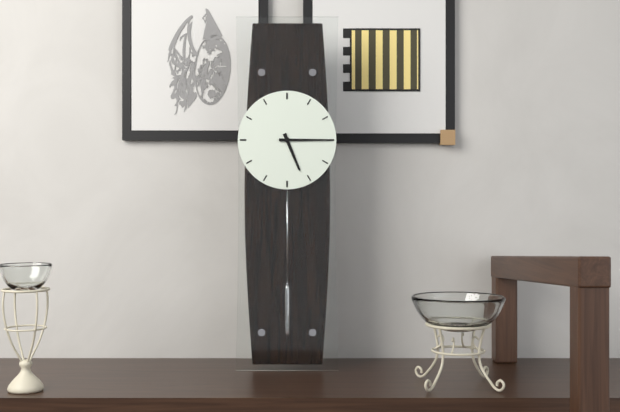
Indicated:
h=5 m=15
